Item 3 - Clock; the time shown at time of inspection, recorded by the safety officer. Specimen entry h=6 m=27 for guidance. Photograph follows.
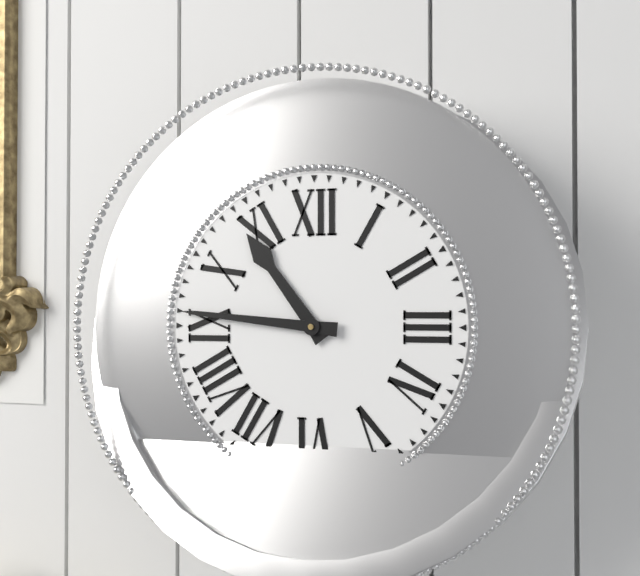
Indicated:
h=10 m=46
